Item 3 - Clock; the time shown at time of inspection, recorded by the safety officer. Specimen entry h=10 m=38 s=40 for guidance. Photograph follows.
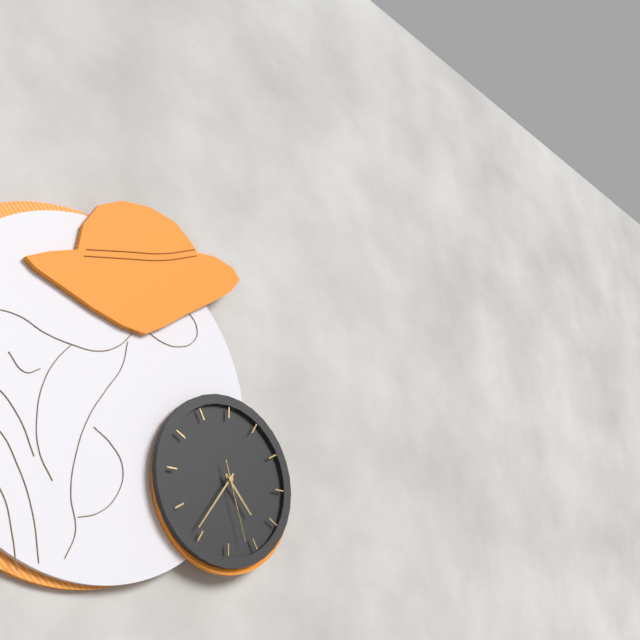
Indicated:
h=4 m=36 s=27
